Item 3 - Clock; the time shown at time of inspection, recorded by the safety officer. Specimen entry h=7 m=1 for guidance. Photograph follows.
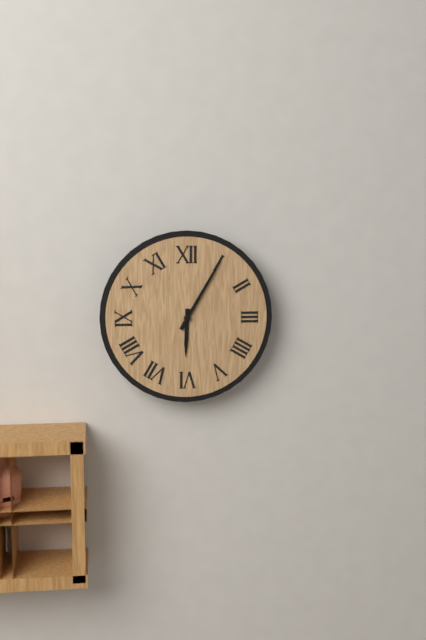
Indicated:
h=6 m=5
